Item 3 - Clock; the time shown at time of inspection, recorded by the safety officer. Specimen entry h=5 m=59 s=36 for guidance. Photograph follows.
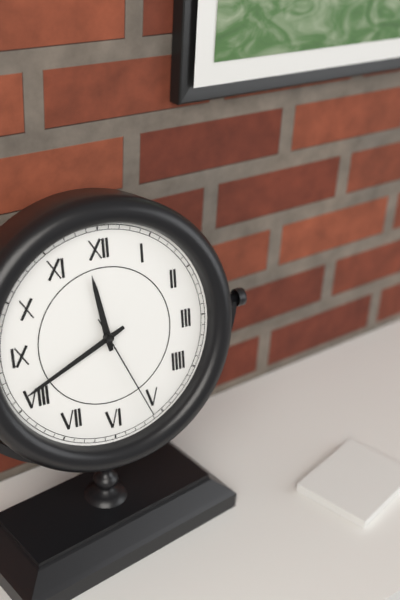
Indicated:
h=11 m=41 s=26
